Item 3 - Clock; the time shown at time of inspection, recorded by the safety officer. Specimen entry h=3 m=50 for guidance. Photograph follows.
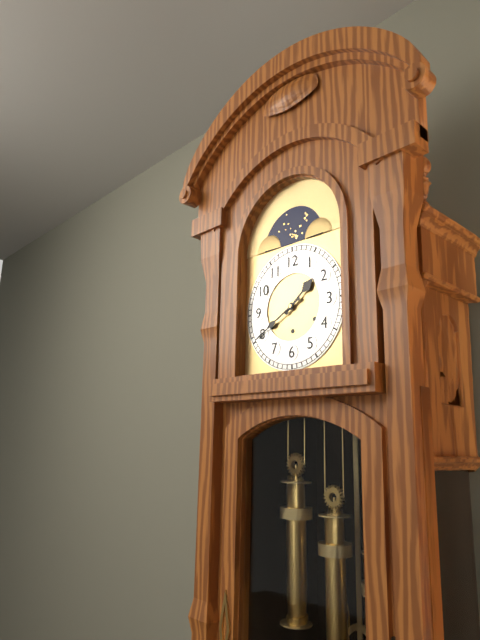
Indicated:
h=1 m=40
